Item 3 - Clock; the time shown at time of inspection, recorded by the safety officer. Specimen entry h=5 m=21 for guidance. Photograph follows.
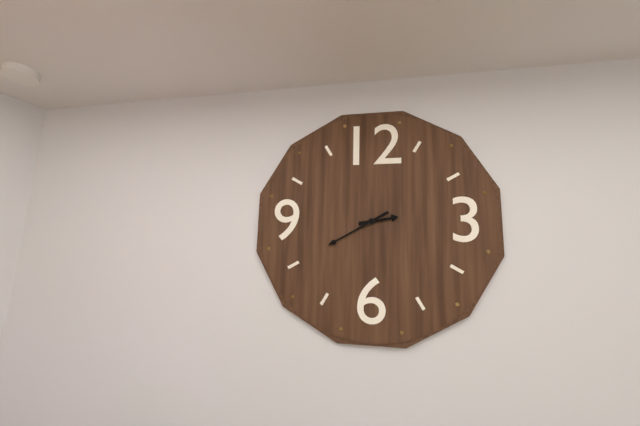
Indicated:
h=2 m=40
